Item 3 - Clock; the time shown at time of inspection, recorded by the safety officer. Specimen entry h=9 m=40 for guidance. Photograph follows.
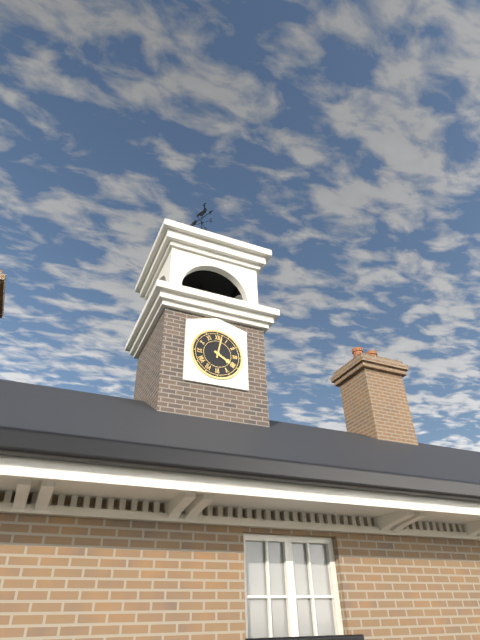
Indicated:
h=4 m=2
